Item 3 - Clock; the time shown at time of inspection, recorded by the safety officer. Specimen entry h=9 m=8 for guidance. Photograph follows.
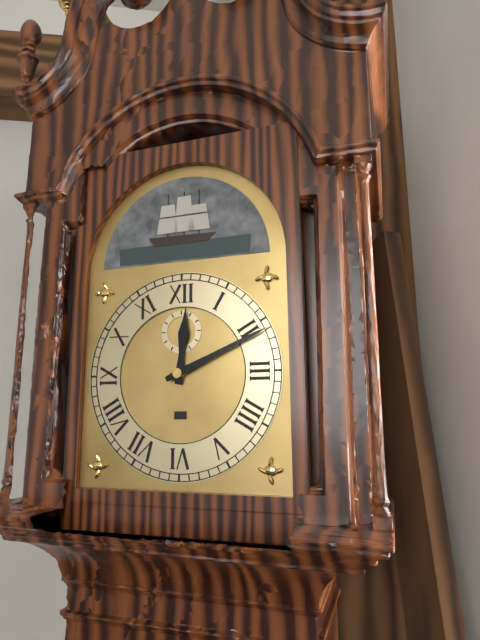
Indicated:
h=12 m=11
